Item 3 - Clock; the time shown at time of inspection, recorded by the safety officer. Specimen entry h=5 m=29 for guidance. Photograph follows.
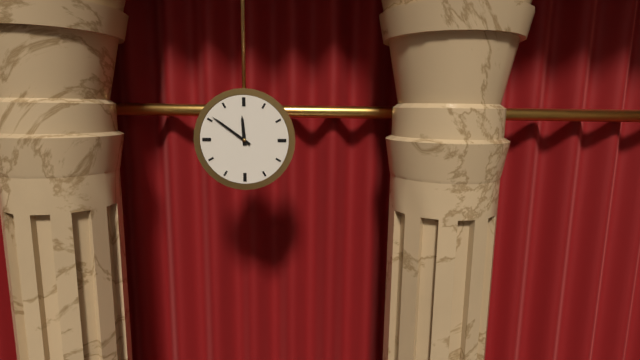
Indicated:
h=11 m=51
